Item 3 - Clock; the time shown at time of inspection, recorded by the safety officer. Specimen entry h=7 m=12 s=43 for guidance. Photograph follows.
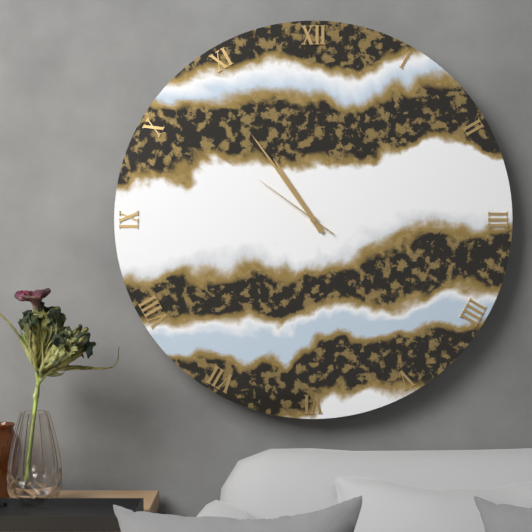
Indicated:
h=10 m=54 s=51
